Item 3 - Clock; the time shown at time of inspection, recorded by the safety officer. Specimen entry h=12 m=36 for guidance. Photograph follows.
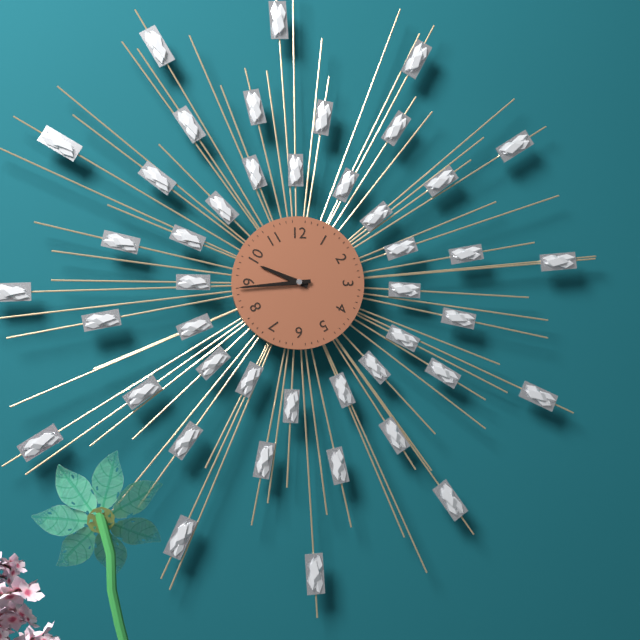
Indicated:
h=9 m=44
